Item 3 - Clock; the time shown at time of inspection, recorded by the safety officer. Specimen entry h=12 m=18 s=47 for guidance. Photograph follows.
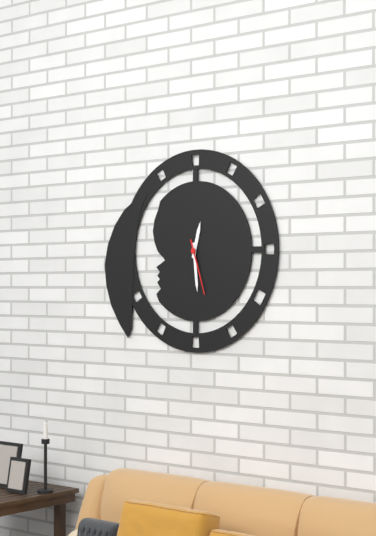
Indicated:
h=12 m=29 s=27
